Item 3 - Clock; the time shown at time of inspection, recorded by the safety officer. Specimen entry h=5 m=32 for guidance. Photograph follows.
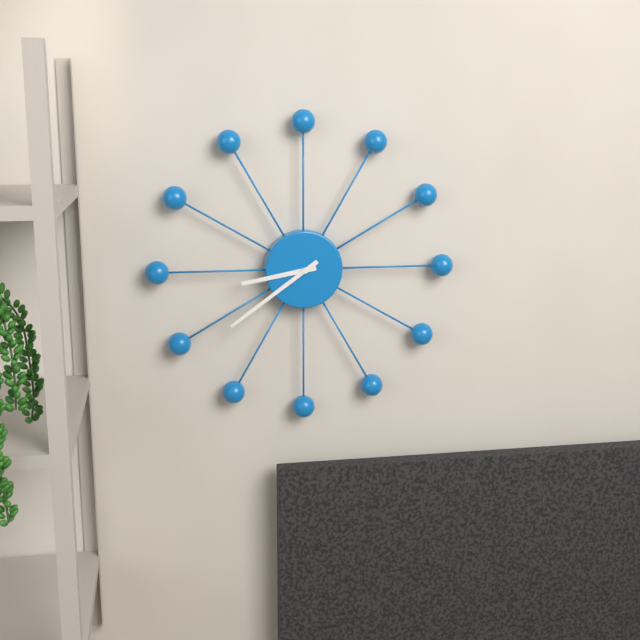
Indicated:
h=8 m=39
